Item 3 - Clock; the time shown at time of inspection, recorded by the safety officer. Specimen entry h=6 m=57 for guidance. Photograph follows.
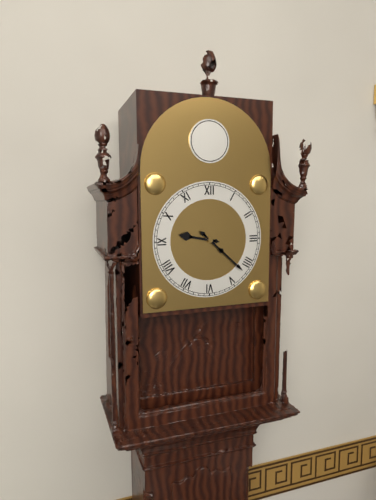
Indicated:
h=9 m=22
